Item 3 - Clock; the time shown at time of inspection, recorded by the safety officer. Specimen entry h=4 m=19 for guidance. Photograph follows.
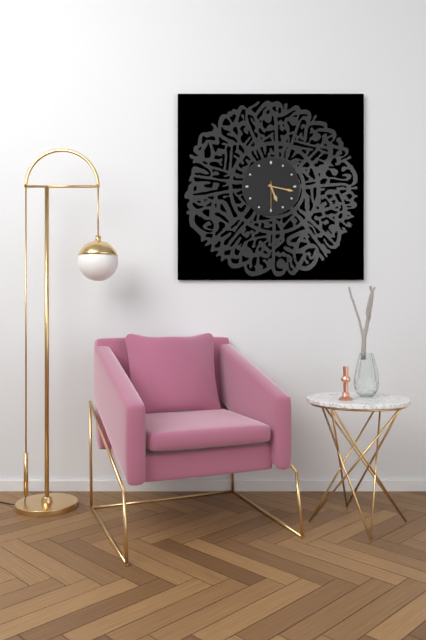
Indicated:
h=5 m=17
